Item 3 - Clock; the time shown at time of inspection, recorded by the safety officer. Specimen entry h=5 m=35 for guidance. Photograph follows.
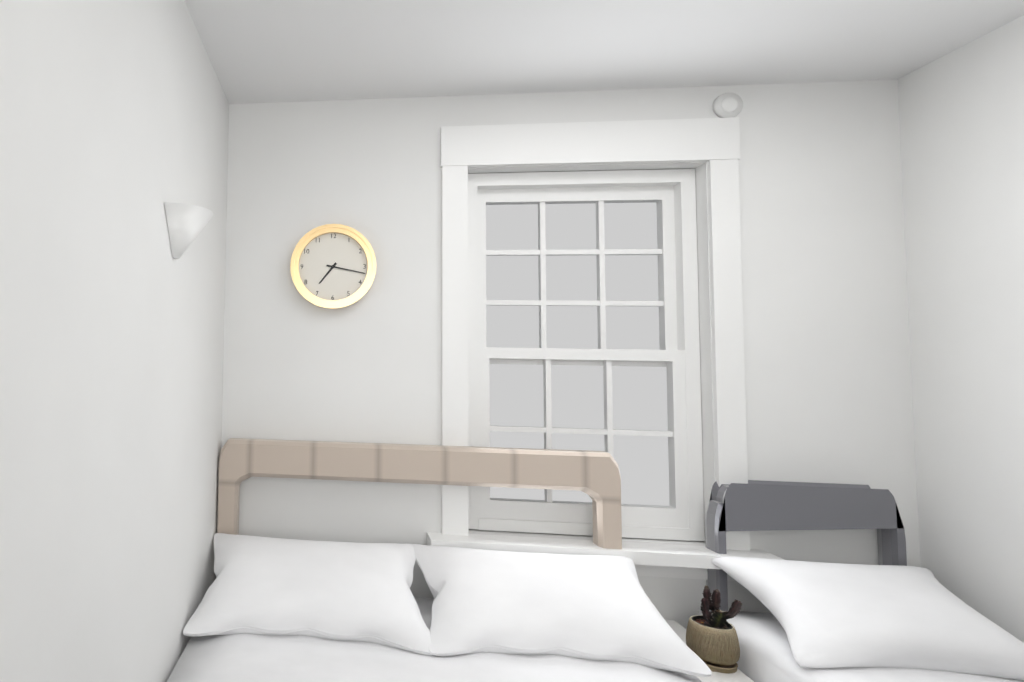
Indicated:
h=7 m=17
